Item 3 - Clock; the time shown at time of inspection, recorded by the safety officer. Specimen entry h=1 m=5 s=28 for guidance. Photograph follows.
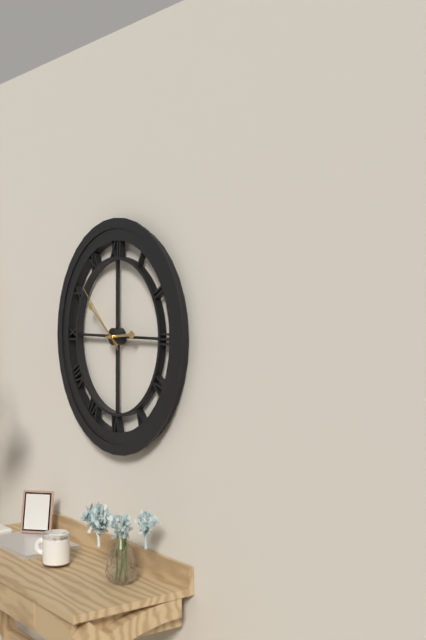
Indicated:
h=2 m=51 s=52
